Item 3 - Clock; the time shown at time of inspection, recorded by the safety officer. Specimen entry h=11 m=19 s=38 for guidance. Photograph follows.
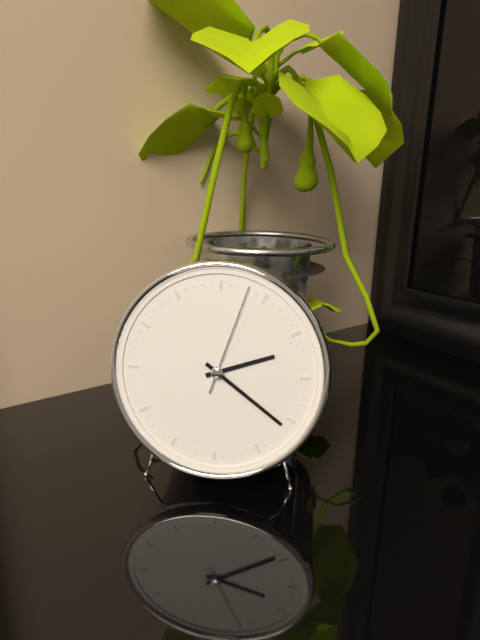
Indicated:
h=2 m=21 s=3
